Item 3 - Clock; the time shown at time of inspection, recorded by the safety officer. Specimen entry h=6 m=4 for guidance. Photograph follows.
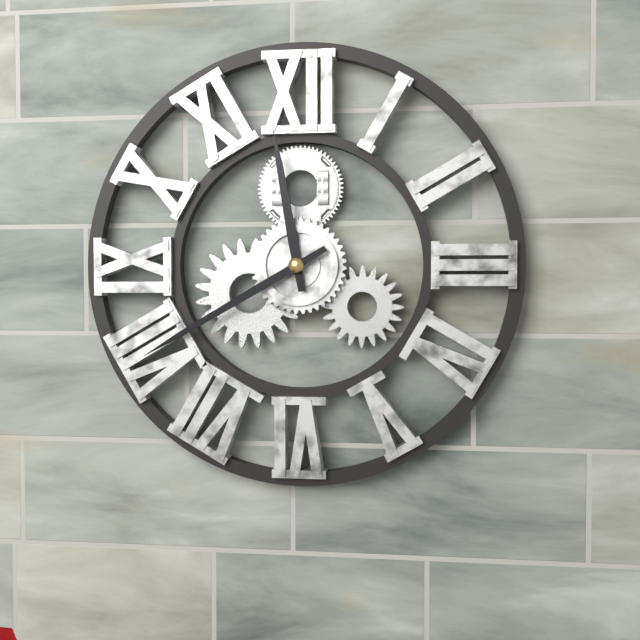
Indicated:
h=11 m=40
